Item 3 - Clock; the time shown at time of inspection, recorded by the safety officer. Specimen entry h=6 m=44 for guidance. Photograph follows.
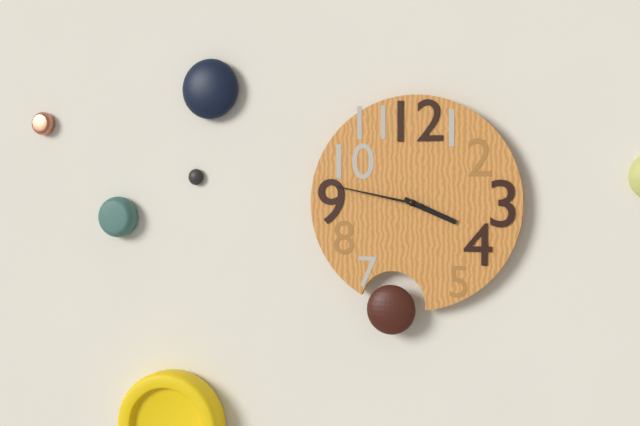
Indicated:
h=3 m=47
